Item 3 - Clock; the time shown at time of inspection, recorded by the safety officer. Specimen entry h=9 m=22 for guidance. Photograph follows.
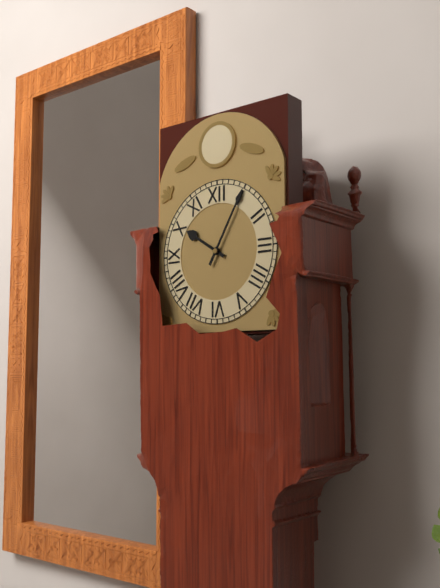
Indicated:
h=10 m=5
